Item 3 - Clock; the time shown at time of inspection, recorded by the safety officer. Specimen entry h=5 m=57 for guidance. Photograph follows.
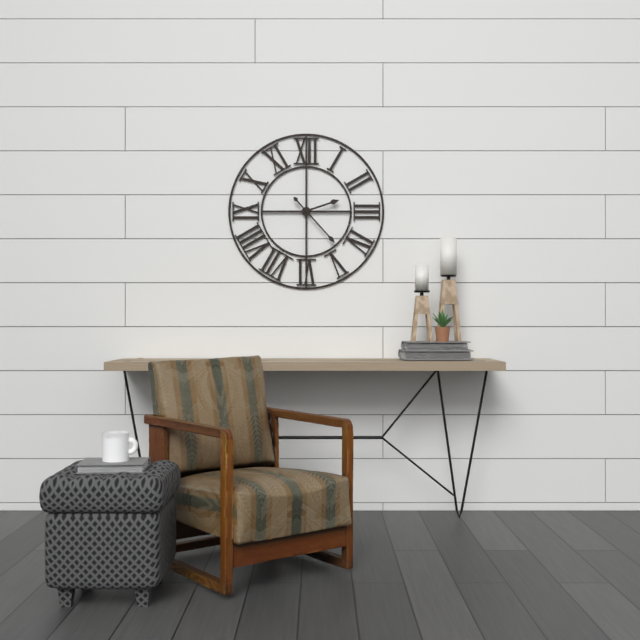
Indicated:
h=2 m=23
